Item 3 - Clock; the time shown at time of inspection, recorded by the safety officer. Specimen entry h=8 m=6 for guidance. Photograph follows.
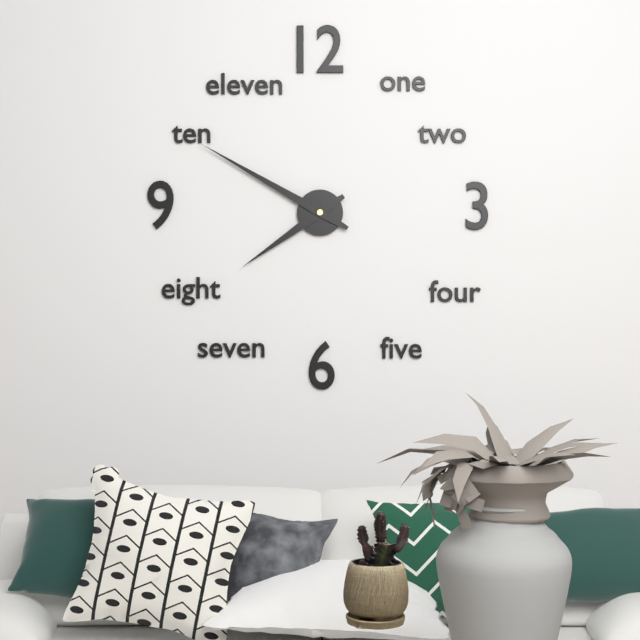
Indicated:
h=7 m=50
